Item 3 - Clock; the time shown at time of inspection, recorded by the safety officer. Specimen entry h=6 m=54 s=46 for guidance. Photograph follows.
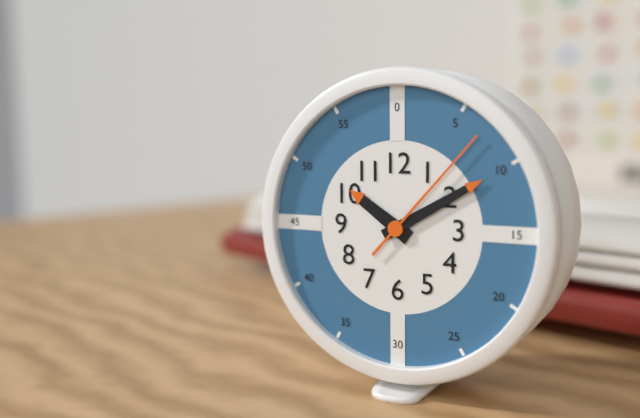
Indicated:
h=10 m=10 s=7
